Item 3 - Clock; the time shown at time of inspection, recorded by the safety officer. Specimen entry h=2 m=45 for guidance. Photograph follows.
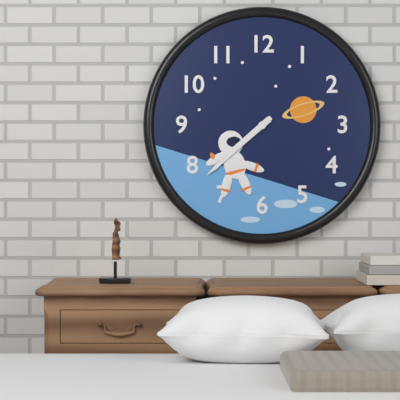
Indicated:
h=7 m=38
